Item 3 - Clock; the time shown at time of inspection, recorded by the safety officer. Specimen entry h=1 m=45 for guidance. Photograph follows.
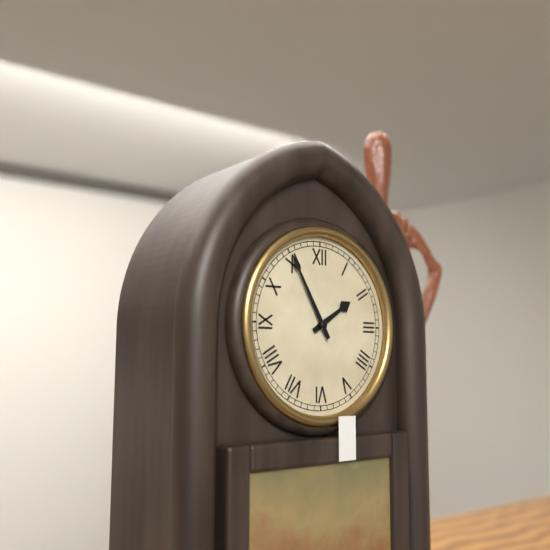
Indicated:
h=1 m=55
